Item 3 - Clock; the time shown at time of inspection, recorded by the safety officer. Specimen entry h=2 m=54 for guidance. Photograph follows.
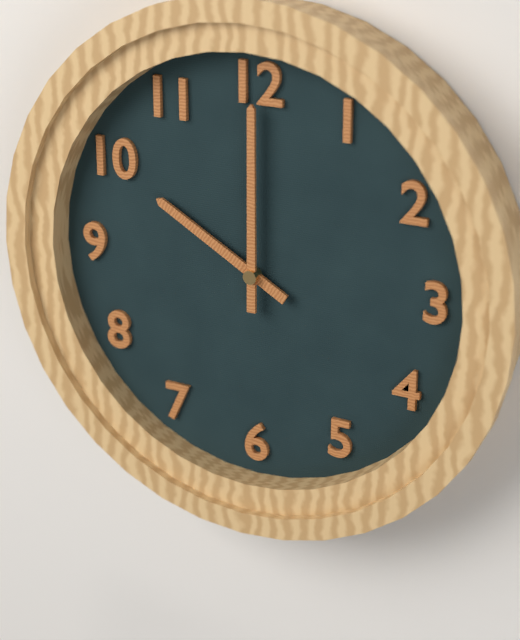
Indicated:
h=10 m=0
